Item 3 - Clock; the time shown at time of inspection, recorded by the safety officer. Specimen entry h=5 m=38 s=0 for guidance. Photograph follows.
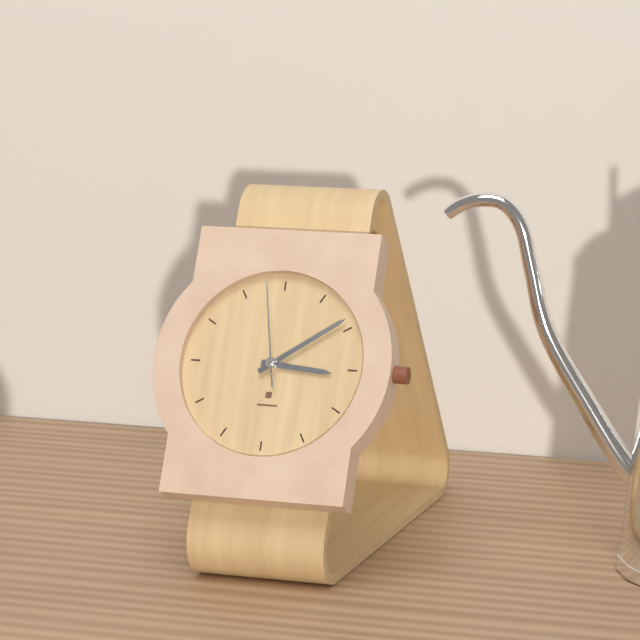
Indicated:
h=3 m=9 s=58
